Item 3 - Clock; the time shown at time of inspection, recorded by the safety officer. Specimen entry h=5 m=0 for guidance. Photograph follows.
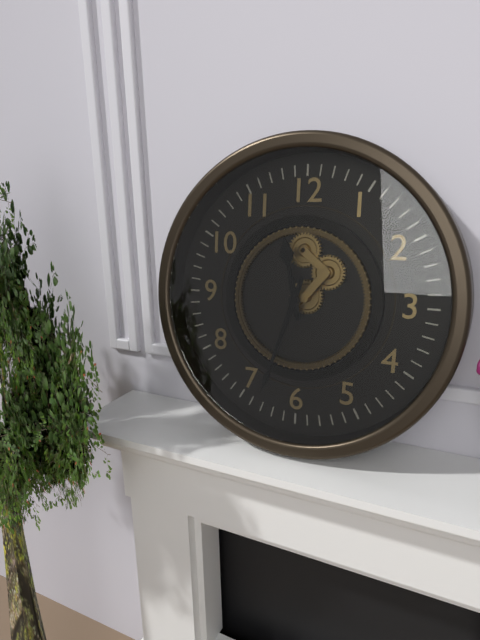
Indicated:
h=11 m=33
